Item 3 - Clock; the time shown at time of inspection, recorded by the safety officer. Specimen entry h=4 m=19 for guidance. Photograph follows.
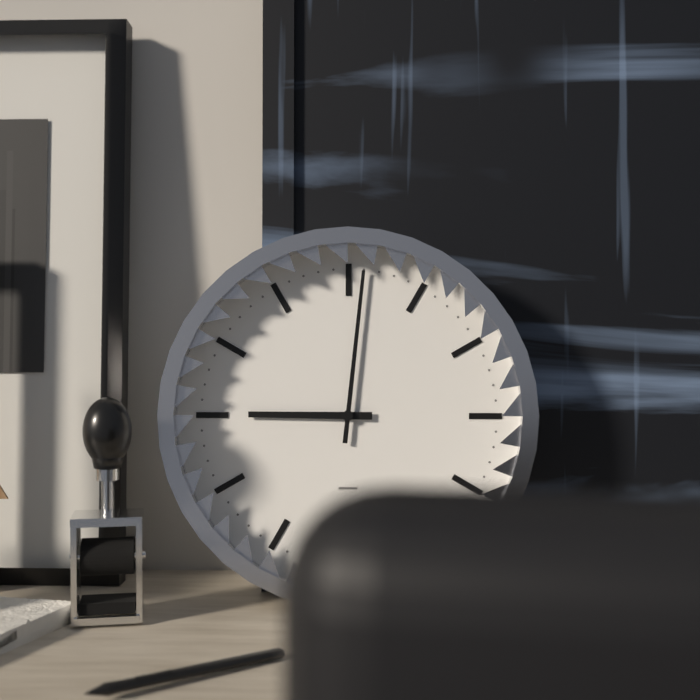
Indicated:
h=9 m=1
